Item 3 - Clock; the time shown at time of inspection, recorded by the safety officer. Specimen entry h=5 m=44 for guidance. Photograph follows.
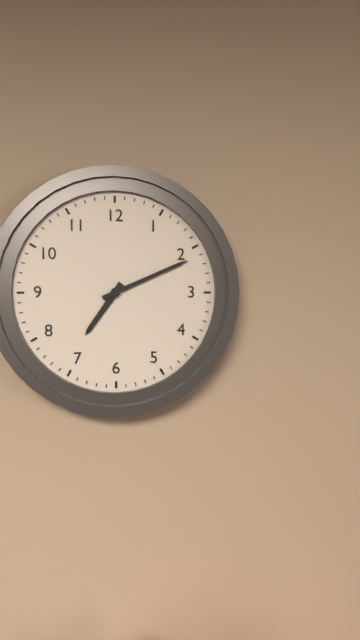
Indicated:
h=7 m=11
